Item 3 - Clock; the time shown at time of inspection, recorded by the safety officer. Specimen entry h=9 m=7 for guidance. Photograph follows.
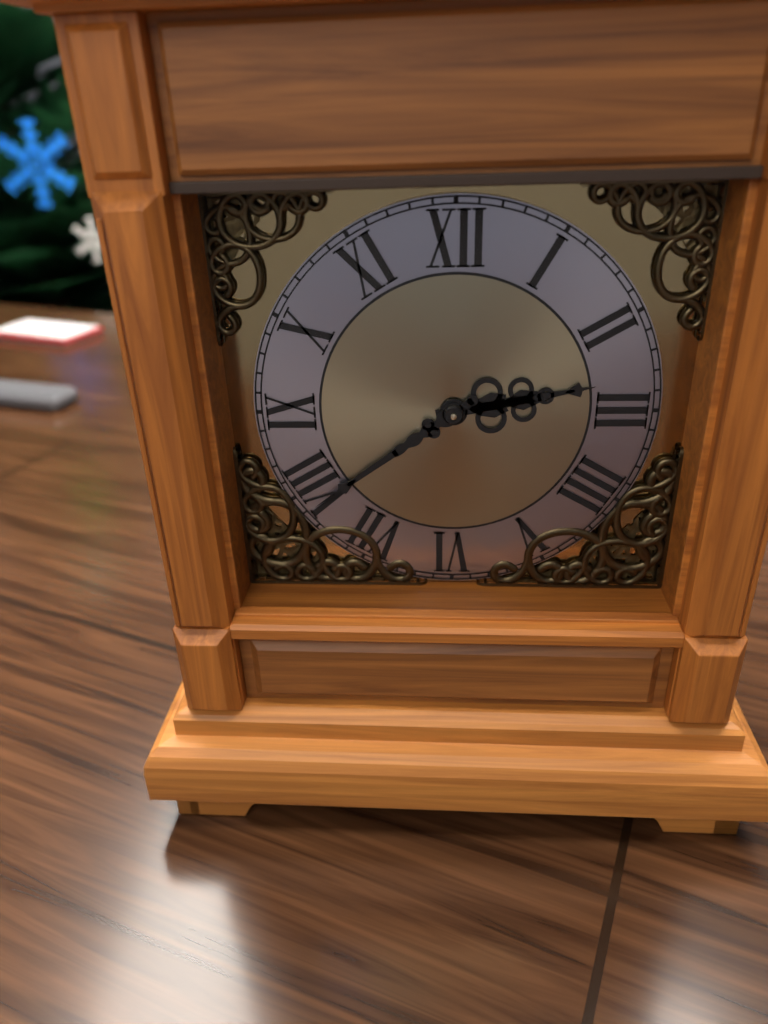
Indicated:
h=2 m=39
